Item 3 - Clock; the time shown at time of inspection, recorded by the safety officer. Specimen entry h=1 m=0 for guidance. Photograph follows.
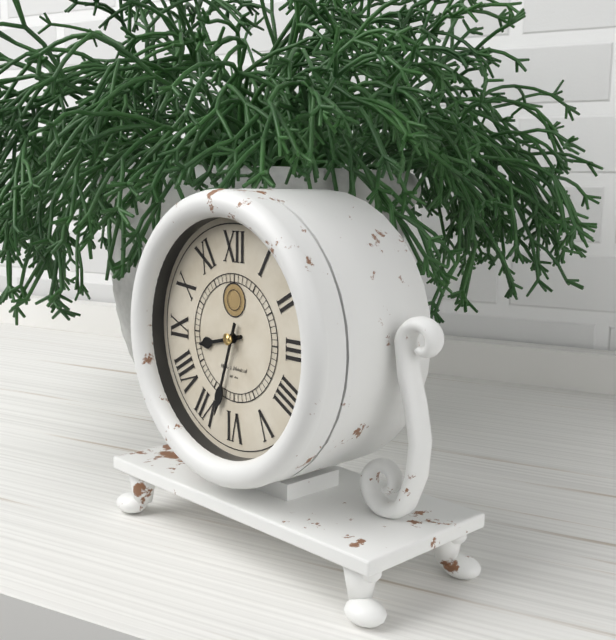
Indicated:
h=8 m=33
